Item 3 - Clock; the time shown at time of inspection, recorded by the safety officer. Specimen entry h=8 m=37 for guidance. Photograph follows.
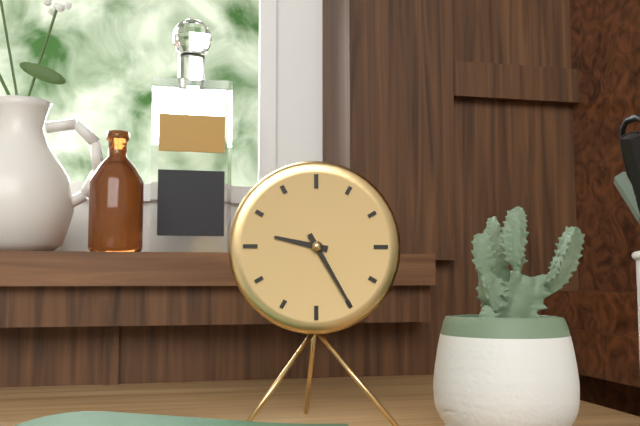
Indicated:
h=9 m=25
